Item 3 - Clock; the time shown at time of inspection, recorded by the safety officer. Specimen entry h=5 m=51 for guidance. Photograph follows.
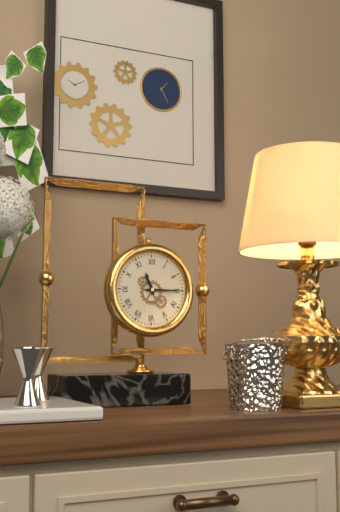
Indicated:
h=11 m=15
